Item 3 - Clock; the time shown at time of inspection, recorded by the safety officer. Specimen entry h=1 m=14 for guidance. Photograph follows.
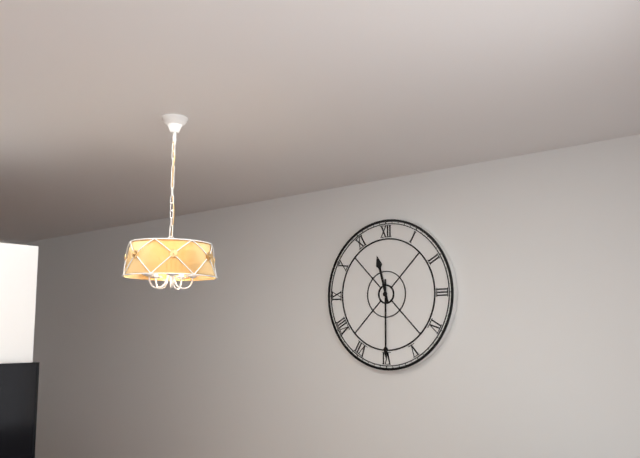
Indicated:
h=11 m=30
